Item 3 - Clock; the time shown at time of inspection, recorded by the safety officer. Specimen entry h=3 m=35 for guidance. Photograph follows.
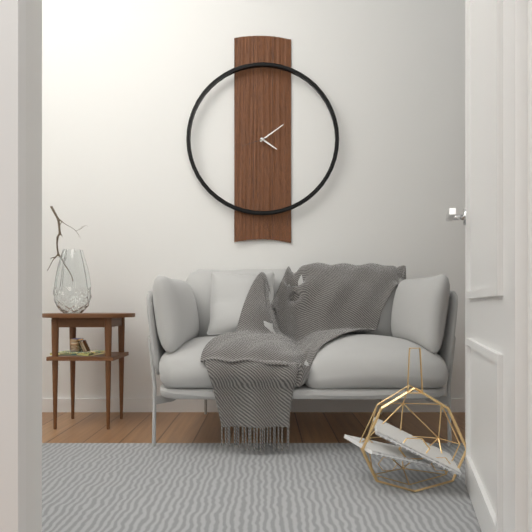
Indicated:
h=4 m=9
